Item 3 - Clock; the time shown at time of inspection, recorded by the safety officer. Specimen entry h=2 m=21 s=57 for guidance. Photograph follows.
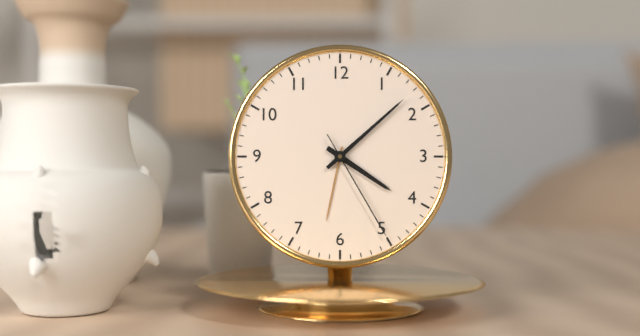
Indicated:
h=4 m=8 s=25
